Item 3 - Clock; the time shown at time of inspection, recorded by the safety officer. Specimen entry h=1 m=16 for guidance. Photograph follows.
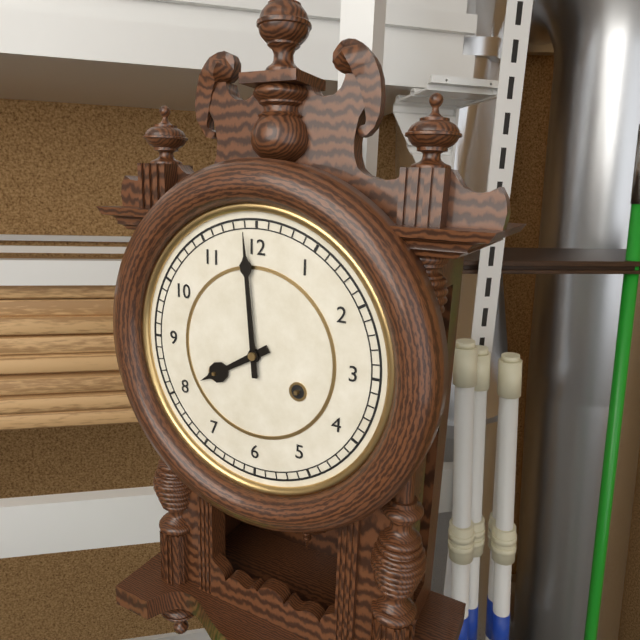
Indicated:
h=7 m=59
